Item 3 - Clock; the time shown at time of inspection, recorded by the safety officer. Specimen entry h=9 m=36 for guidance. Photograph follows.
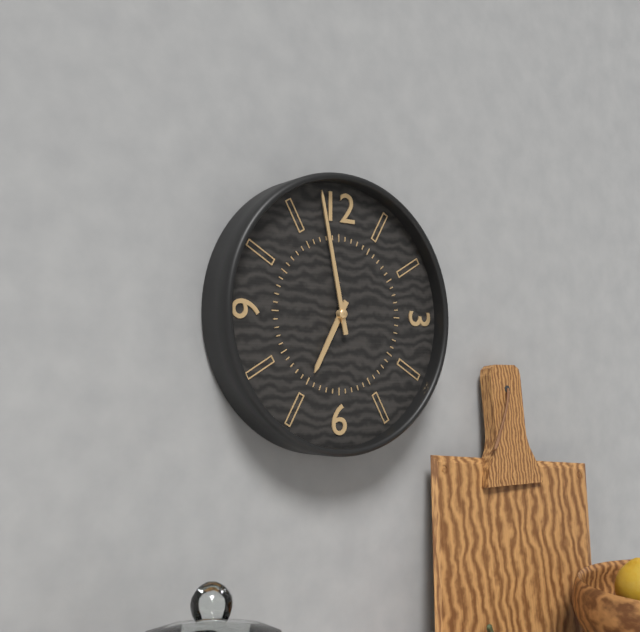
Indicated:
h=6 m=58
